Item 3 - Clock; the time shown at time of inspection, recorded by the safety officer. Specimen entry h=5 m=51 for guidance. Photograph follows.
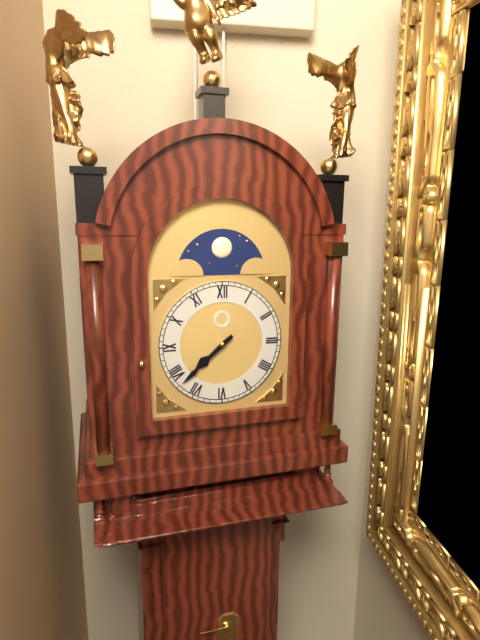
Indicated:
h=7 m=38
